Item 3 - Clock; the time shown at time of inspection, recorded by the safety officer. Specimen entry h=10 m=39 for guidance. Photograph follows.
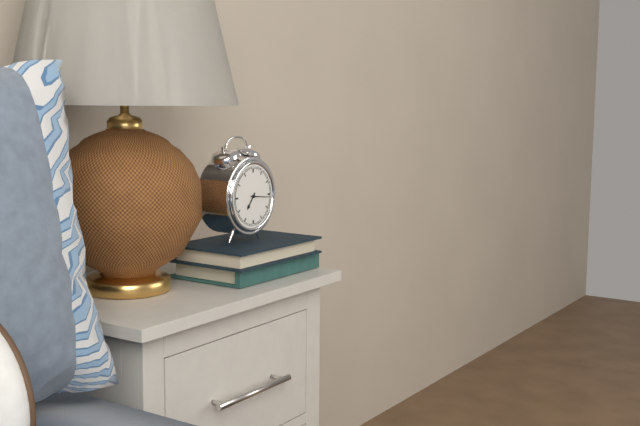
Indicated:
h=7 m=16
